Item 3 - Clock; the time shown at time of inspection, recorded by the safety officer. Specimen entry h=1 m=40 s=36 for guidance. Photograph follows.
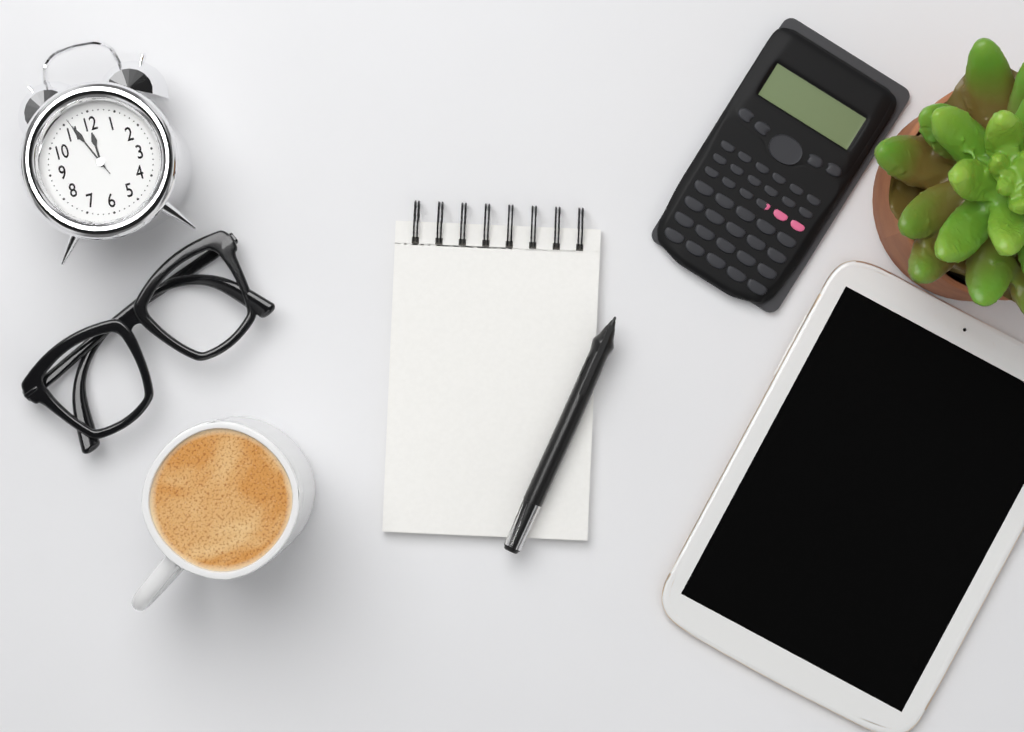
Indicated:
h=11 m=56 s=56
